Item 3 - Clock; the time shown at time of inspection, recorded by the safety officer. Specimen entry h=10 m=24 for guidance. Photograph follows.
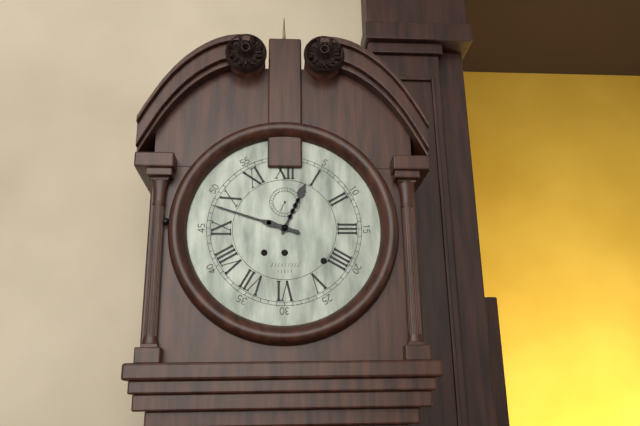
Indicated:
h=12 m=48
